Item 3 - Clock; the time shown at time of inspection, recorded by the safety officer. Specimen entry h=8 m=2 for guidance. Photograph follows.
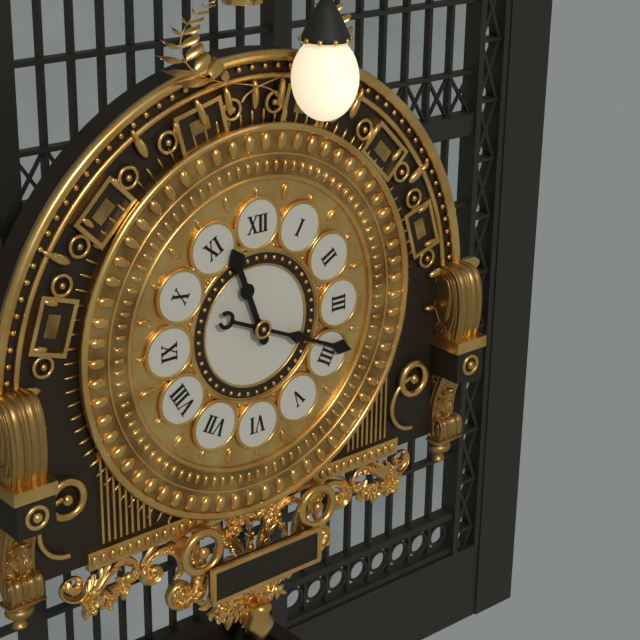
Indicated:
h=11 m=19
